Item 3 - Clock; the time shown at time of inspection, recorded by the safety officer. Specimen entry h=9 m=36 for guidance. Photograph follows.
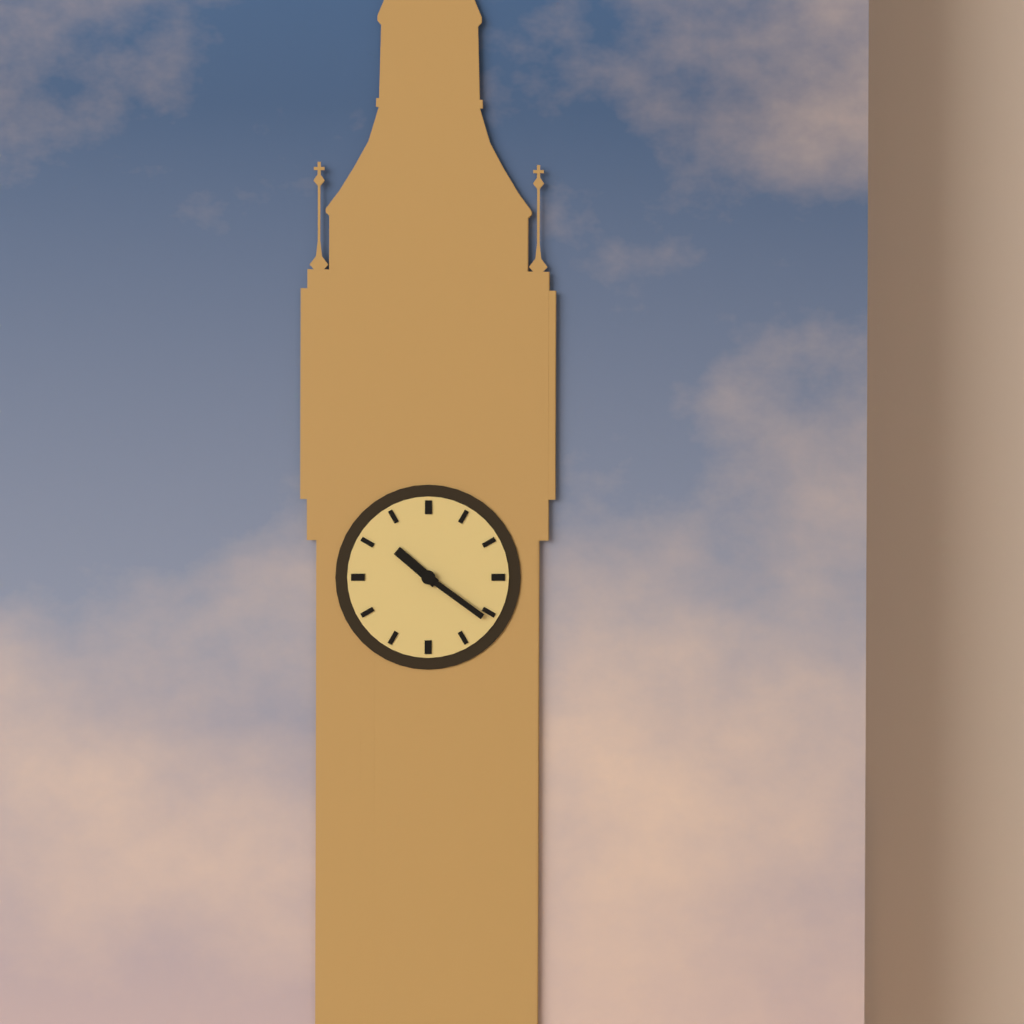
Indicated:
h=10 m=21
